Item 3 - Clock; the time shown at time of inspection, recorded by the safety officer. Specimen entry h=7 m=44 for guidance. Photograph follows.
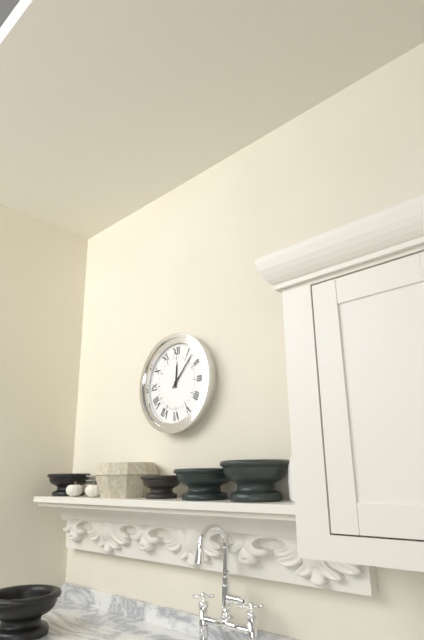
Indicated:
h=12 m=7
